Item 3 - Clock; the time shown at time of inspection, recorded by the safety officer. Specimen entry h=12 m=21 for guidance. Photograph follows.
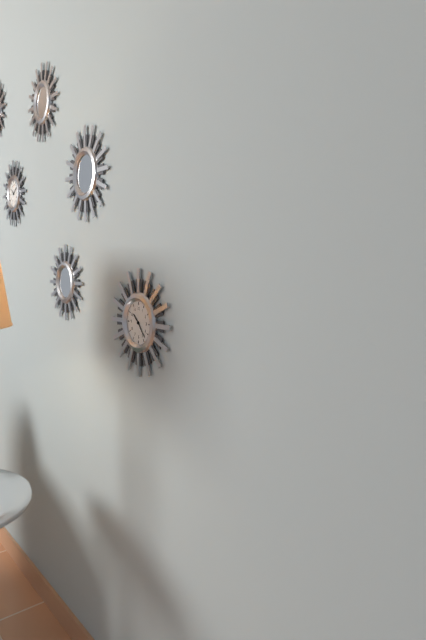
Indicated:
h=10 m=23
